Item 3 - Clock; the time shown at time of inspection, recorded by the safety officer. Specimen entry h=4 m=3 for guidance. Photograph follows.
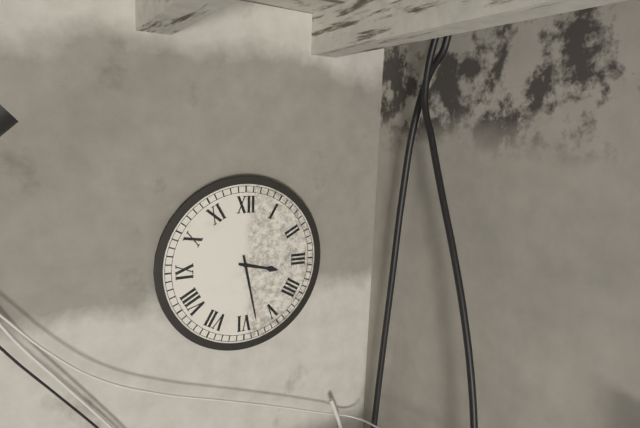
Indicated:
h=3 m=28
